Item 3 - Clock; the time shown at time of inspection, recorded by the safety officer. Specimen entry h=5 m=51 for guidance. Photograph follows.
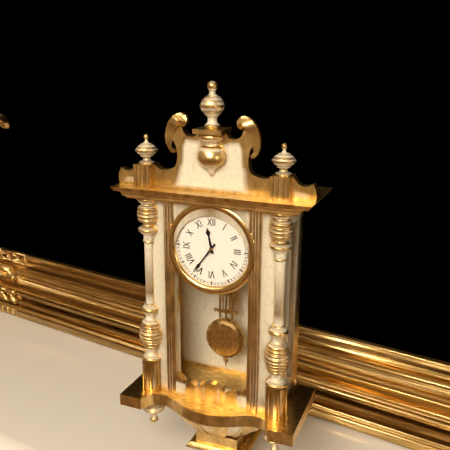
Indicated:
h=11 m=36
